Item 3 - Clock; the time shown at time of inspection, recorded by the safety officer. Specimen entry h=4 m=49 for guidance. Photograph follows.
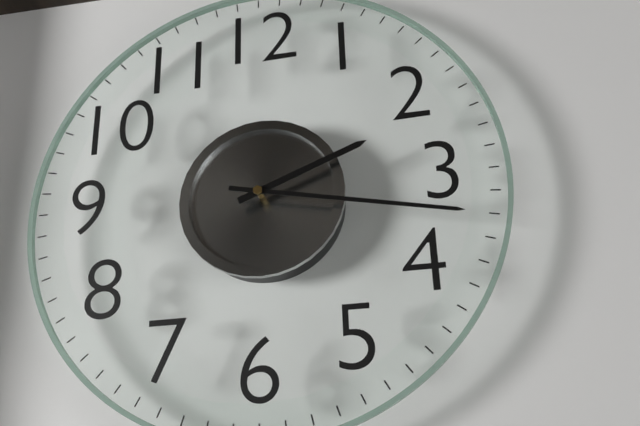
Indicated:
h=2 m=17
